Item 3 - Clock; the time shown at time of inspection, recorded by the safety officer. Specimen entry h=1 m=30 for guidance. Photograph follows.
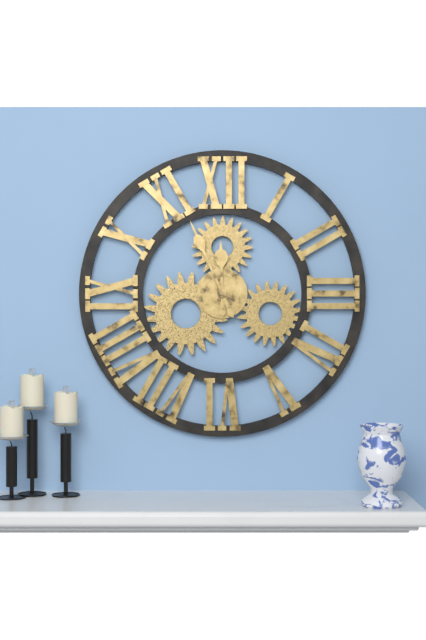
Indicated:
h=11 m=56
